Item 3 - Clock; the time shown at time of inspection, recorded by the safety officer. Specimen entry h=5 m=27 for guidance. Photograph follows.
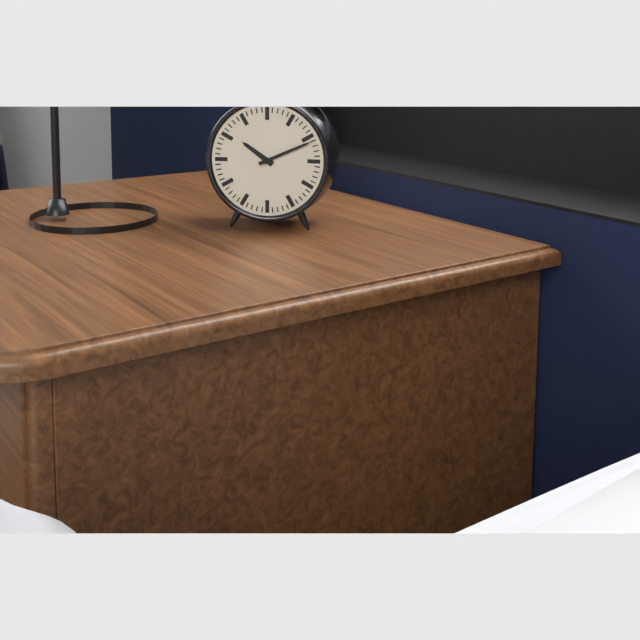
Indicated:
h=10 m=11
